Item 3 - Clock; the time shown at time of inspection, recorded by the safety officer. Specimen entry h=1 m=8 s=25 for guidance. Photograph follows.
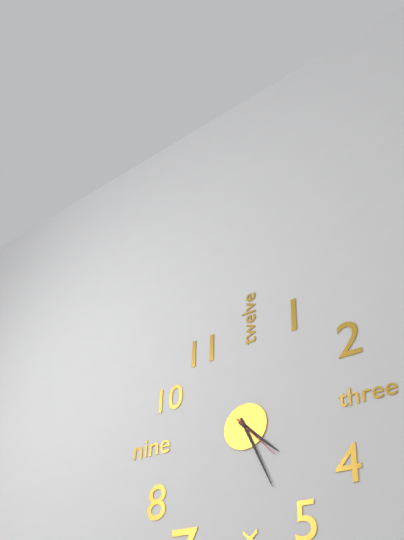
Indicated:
h=4 m=26 s=23
